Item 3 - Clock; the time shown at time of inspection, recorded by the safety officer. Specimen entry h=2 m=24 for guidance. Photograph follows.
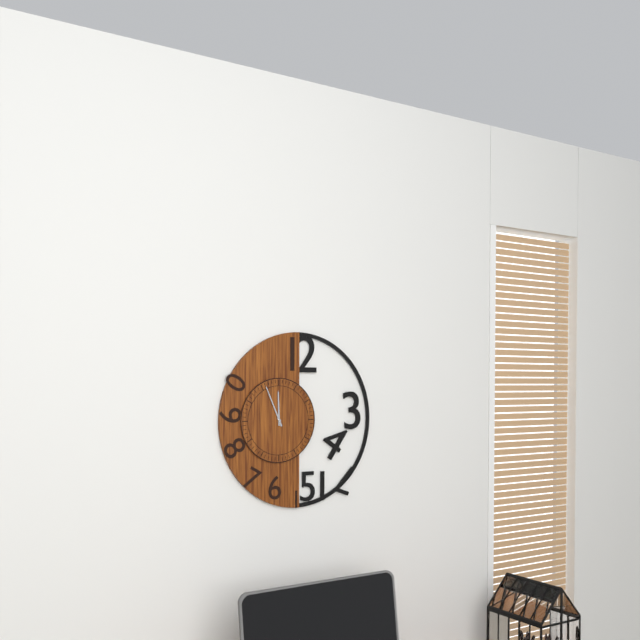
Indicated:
h=11 m=56
